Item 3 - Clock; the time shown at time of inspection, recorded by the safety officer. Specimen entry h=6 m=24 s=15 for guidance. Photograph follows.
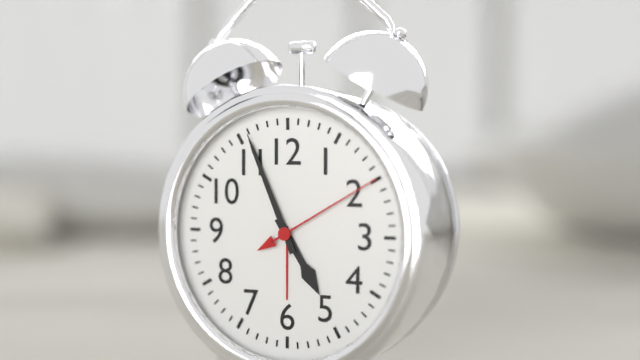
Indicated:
h=4 m=56 s=10
